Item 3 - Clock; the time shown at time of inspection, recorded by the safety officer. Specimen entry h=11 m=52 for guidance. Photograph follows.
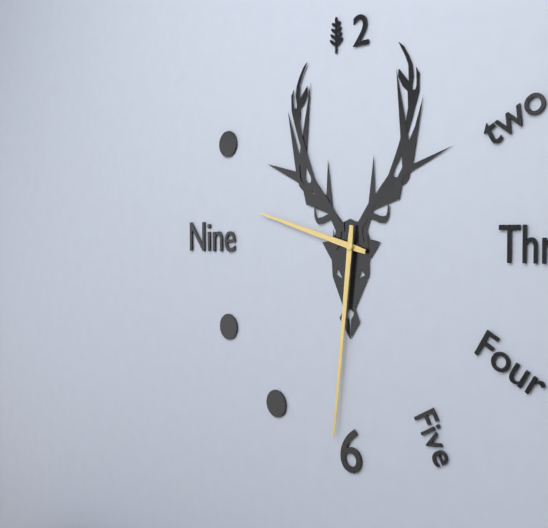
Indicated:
h=9 m=31
